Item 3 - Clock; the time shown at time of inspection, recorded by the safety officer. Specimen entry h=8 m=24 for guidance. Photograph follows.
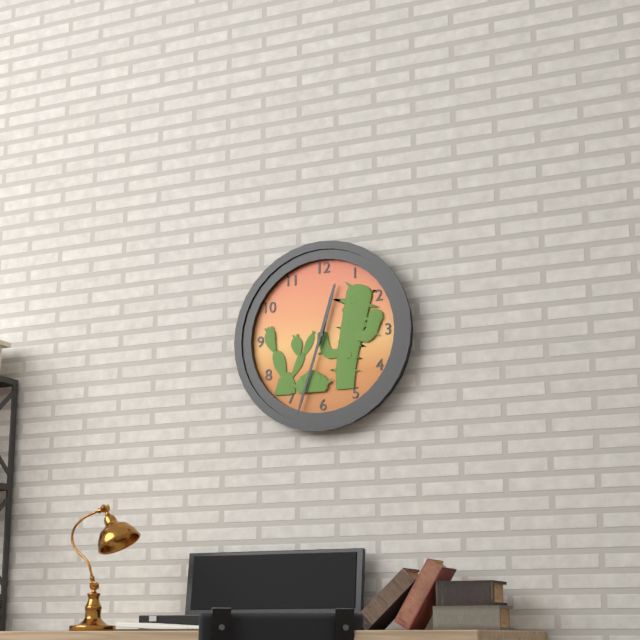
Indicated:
h=12 m=33
